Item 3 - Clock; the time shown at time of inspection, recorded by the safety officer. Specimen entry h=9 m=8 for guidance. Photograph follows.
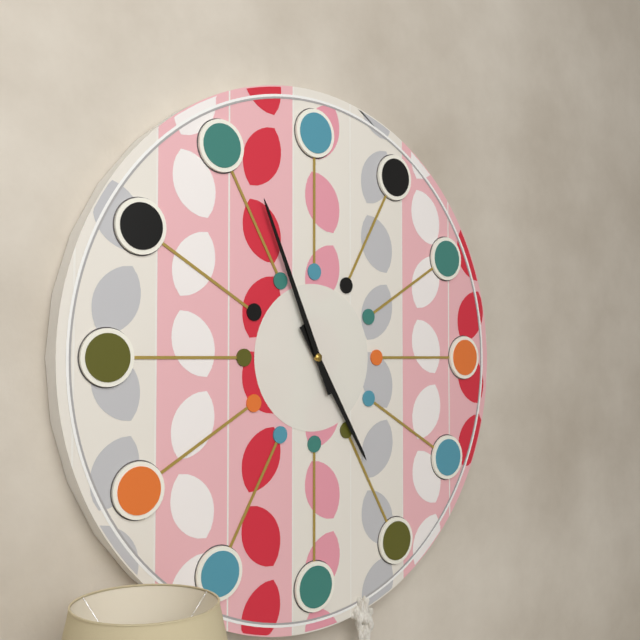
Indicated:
h=4 m=56
